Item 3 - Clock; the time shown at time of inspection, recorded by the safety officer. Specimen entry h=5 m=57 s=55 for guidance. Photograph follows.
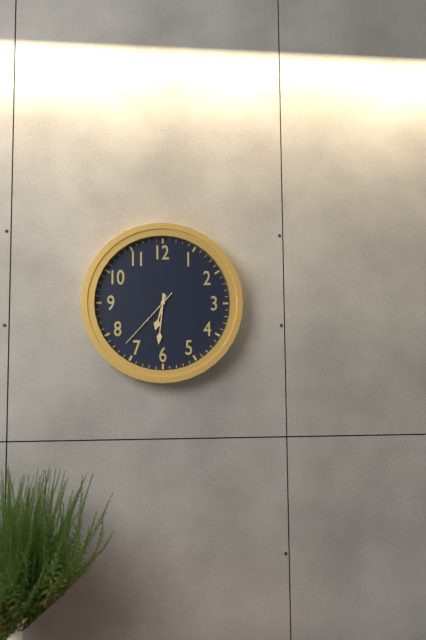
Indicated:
h=6 m=31 s=37
